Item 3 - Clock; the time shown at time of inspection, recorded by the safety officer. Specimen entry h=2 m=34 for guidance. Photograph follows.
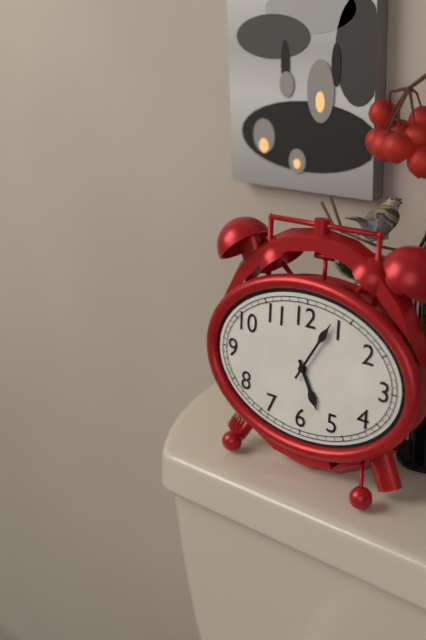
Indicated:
h=5 m=5
